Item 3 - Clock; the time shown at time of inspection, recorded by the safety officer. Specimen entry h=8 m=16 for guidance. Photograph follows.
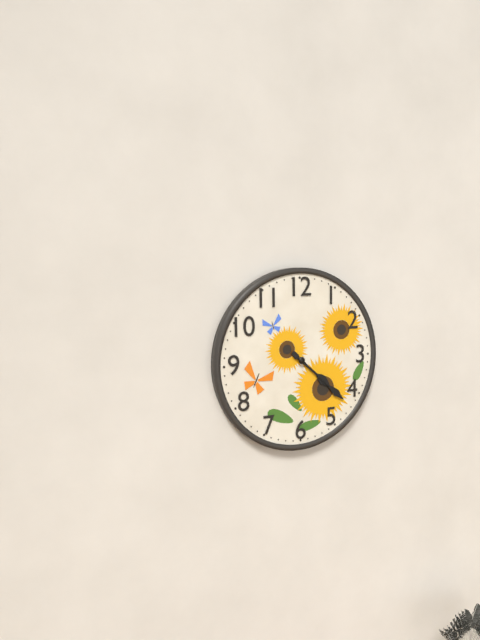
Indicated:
h=4 m=22
